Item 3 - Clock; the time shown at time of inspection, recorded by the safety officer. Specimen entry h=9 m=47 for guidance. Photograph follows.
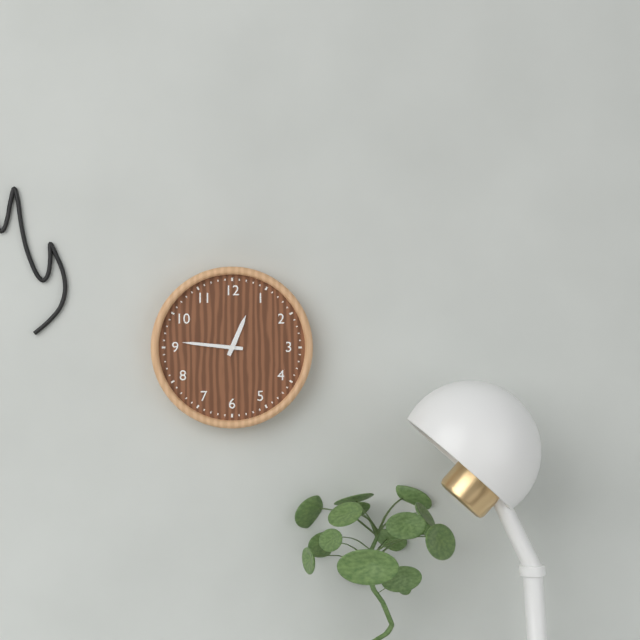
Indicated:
h=12 m=46
